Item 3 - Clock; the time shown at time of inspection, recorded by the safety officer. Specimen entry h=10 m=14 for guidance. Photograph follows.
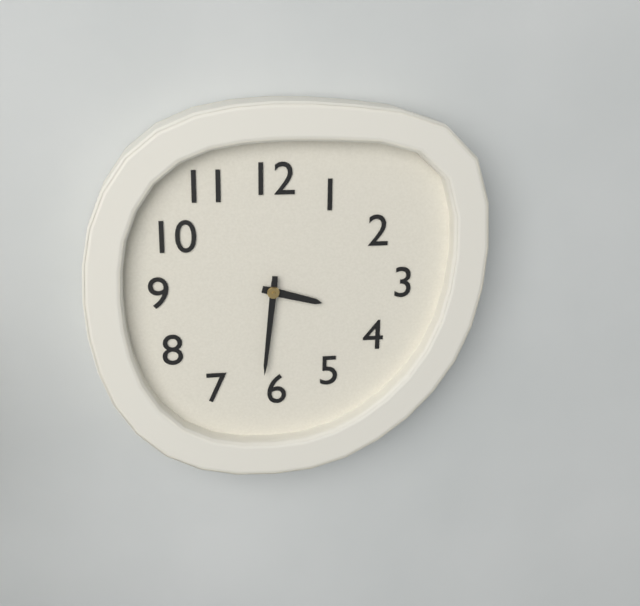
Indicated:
h=3 m=31
